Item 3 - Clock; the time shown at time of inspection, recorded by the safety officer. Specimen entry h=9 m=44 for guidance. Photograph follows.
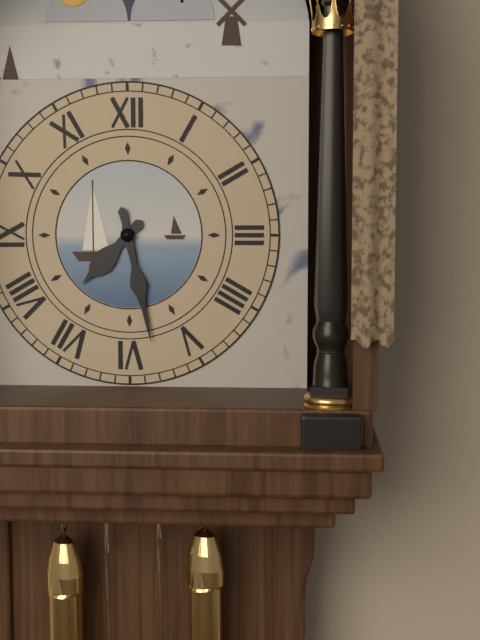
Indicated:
h=7 m=28
